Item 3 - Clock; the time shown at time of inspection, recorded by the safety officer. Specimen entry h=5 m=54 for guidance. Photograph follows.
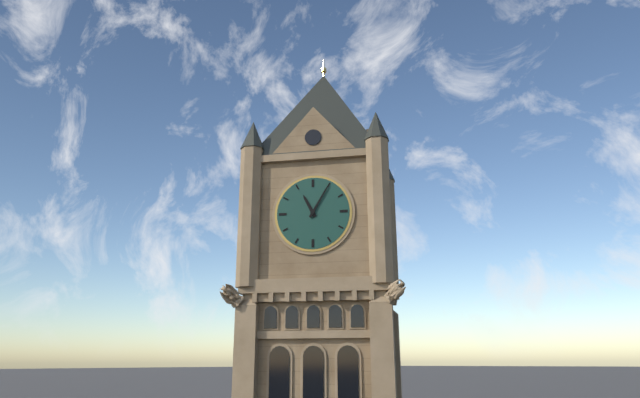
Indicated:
h=11 m=5
